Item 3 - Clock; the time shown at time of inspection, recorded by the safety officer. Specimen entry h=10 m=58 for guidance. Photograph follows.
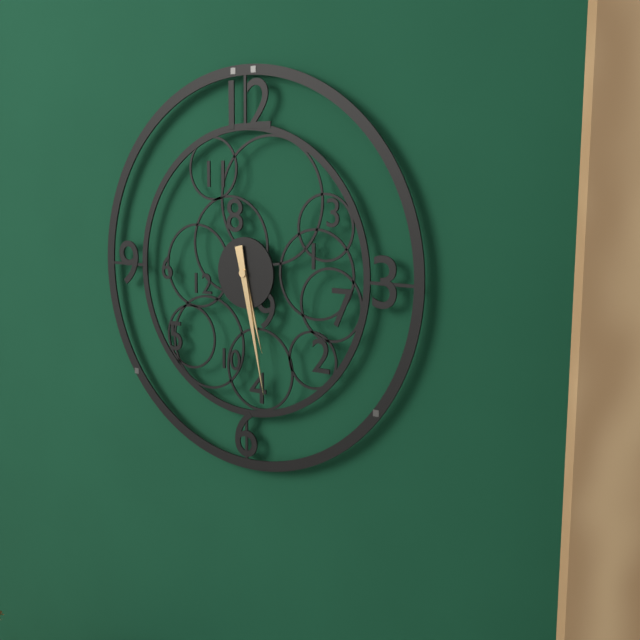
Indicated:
h=5 m=28
